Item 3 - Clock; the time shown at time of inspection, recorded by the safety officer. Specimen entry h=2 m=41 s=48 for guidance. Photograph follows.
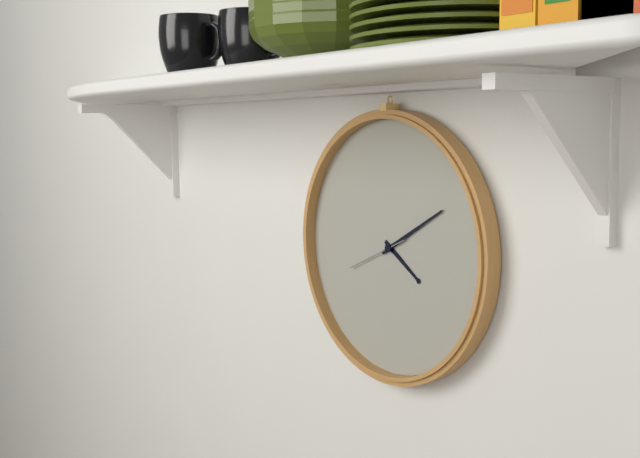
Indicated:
h=4 m=10 s=41
